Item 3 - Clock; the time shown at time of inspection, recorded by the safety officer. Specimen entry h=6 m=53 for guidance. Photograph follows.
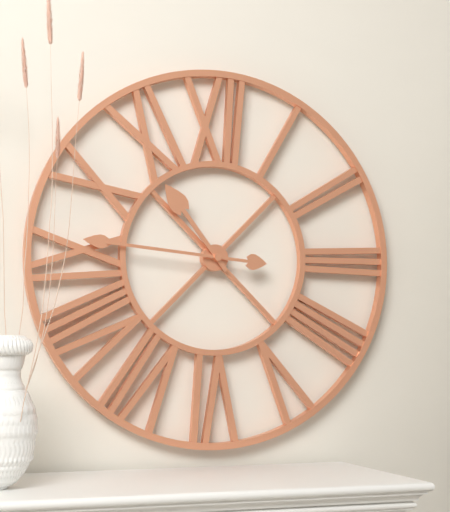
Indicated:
h=10 m=46
